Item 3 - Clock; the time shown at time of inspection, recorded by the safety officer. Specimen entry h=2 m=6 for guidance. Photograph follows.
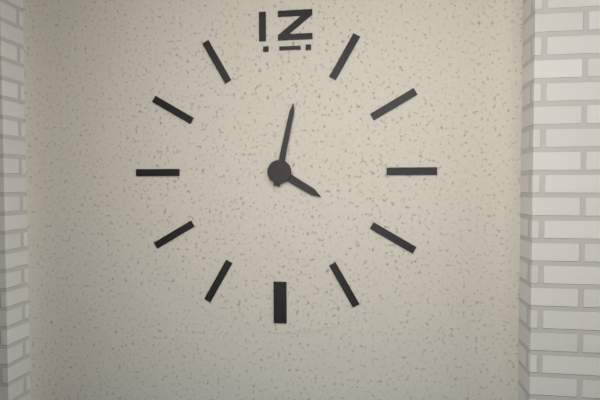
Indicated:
h=4 m=2
